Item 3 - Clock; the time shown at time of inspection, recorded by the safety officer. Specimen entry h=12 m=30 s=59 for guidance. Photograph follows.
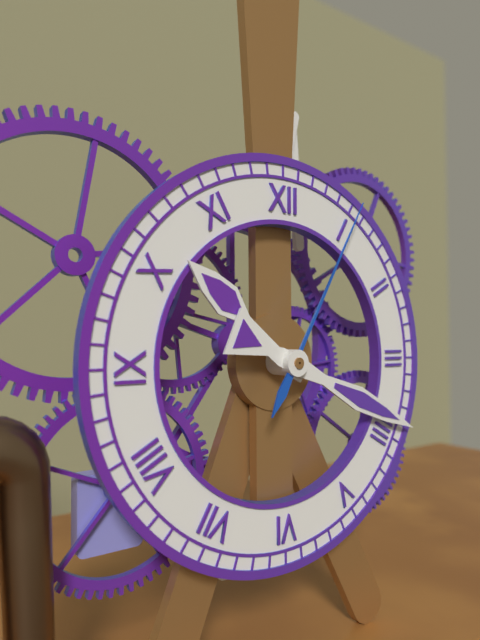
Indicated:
h=10 m=19 s=5
